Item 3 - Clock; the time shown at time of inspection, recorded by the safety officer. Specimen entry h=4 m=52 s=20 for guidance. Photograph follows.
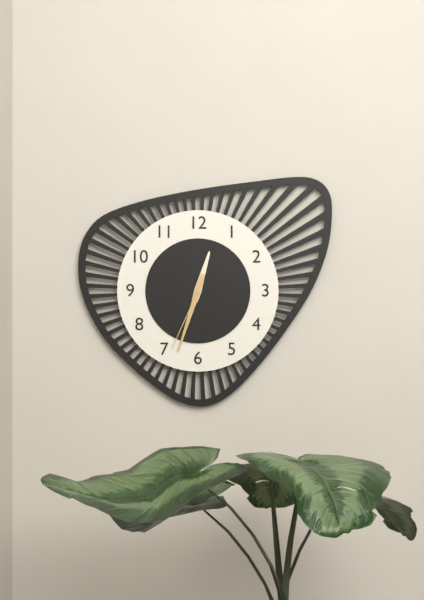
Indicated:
h=12 m=33 s=34
